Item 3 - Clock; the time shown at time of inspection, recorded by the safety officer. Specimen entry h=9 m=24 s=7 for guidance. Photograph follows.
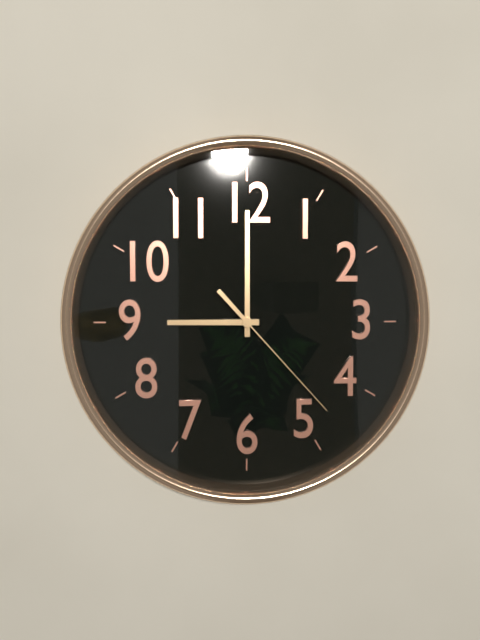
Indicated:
h=9 m=0 s=23
